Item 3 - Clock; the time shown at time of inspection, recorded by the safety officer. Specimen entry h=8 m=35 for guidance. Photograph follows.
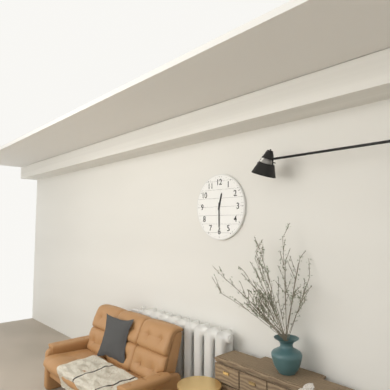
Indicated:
h=12 m=30
